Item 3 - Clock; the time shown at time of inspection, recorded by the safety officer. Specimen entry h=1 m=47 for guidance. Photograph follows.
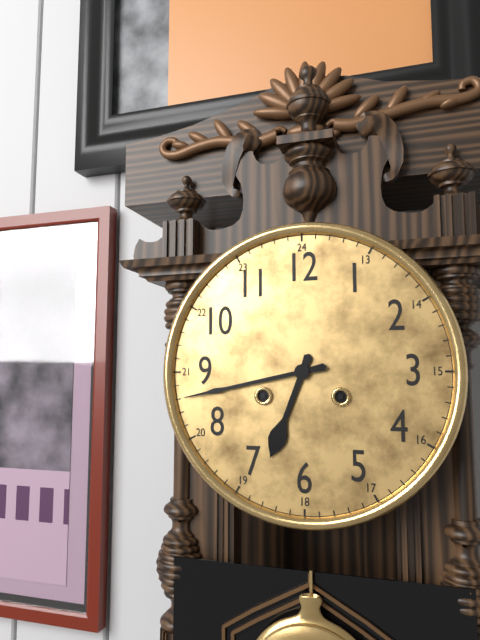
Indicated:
h=6 m=43
